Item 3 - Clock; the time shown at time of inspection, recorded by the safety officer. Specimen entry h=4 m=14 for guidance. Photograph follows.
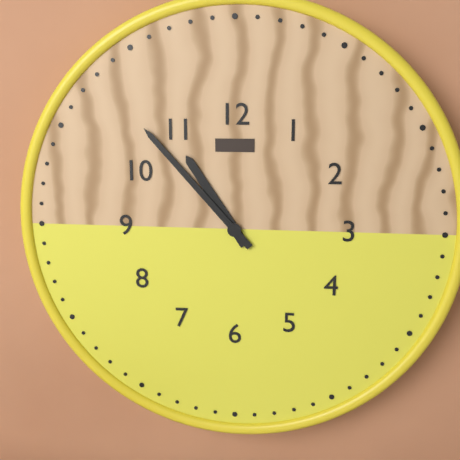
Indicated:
h=10 m=53
